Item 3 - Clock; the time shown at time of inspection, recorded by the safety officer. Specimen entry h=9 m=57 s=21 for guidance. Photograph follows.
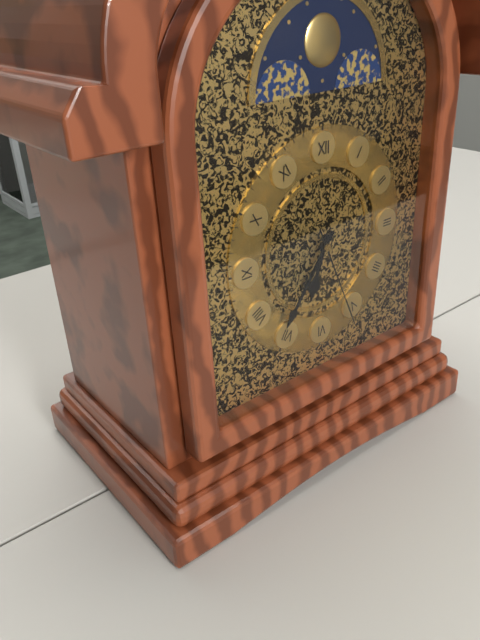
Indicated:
h=6 m=36 s=26
